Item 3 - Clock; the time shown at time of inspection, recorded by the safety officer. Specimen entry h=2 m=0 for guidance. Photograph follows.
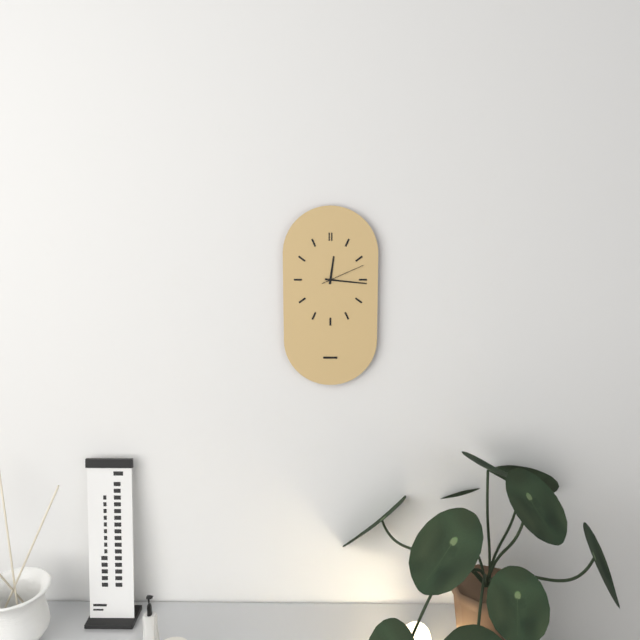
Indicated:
h=12 m=16
